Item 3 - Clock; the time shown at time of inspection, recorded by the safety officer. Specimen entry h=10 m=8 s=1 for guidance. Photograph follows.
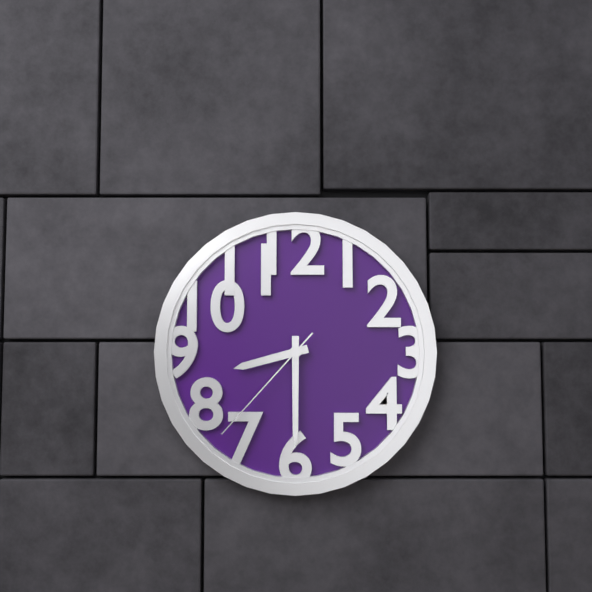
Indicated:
h=8 m=30 s=37
